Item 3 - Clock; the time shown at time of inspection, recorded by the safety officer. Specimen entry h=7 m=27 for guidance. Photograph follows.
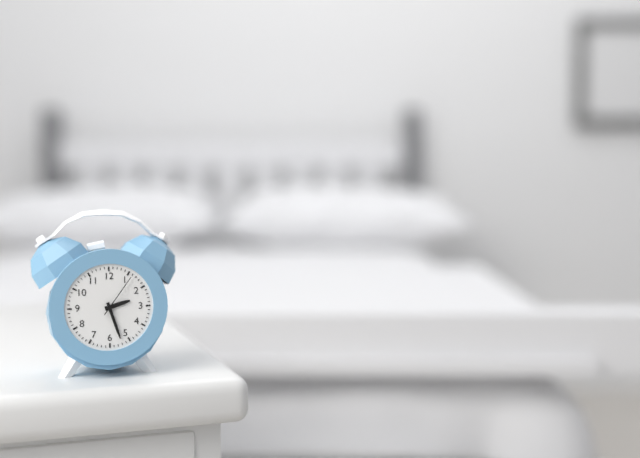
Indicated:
h=2 m=27
